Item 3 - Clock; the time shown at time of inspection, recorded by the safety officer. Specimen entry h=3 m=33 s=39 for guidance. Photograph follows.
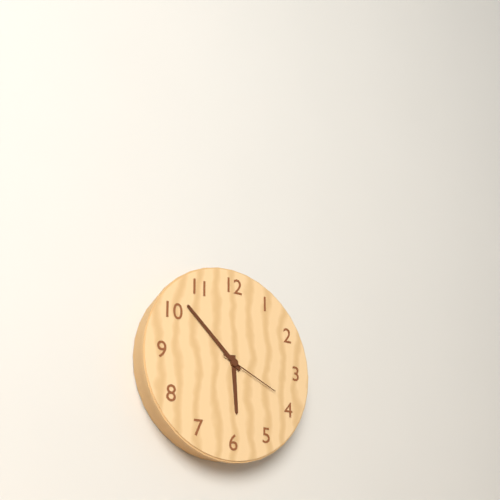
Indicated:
h=5 m=52 s=19
